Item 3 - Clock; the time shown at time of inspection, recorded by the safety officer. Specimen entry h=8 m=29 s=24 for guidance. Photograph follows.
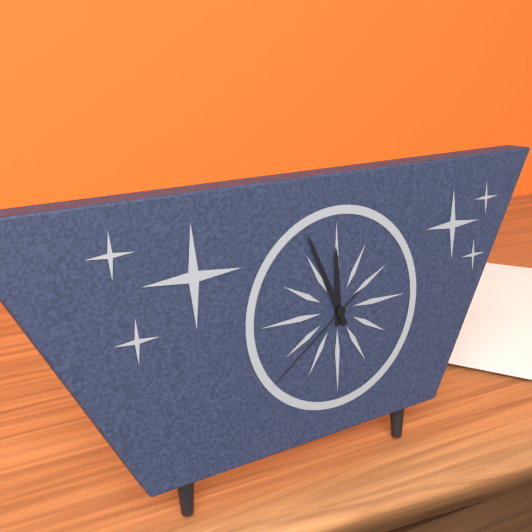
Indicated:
h=11 m=56 s=39
